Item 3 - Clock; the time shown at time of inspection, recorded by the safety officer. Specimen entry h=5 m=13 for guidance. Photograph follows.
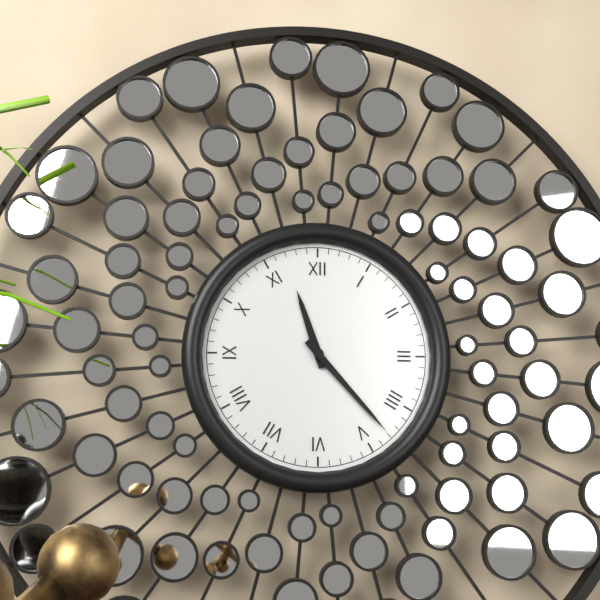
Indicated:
h=11 m=23
